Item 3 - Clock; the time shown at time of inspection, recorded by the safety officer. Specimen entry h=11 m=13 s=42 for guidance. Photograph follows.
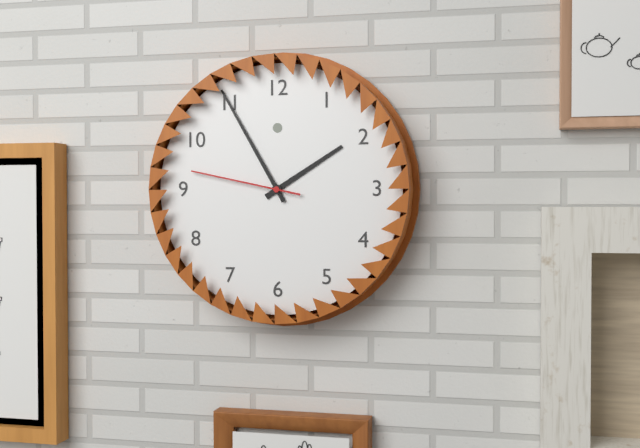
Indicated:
h=1 m=55 s=47
